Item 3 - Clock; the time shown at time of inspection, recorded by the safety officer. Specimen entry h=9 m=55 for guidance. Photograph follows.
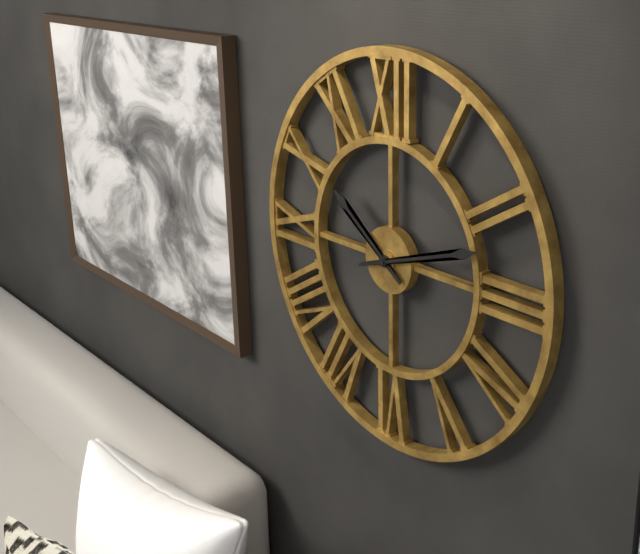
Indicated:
h=10 m=12
